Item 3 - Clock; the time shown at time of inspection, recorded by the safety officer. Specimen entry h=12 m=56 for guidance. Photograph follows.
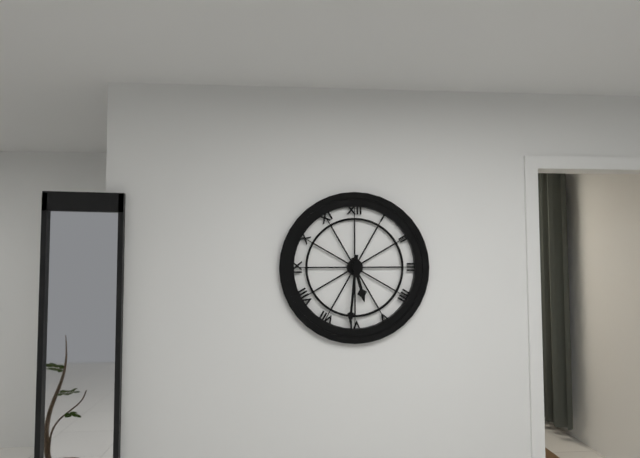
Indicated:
h=5 m=31
